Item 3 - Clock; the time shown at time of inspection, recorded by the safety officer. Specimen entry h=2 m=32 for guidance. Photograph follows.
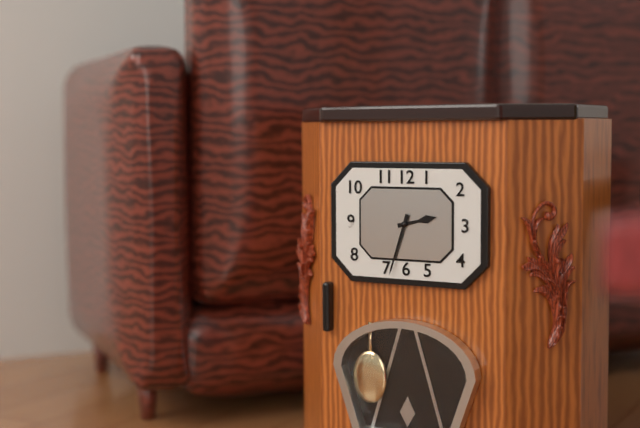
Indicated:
h=2 m=33
